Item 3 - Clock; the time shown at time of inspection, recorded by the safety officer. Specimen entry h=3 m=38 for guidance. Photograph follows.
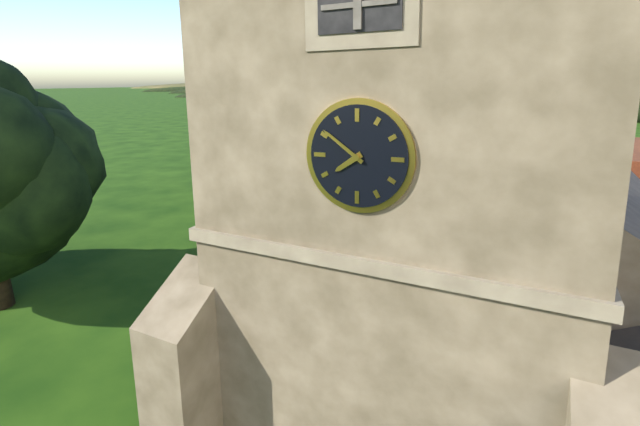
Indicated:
h=7 m=51
